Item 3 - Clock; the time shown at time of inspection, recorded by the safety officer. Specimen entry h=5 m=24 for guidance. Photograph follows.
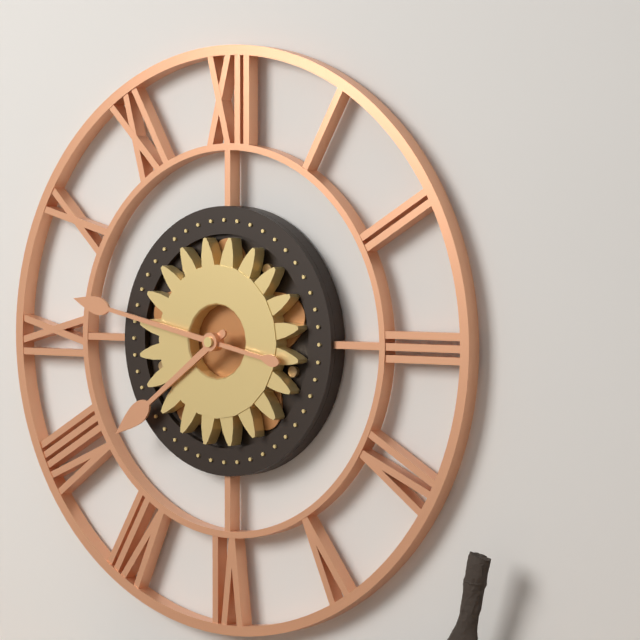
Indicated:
h=7 m=47
